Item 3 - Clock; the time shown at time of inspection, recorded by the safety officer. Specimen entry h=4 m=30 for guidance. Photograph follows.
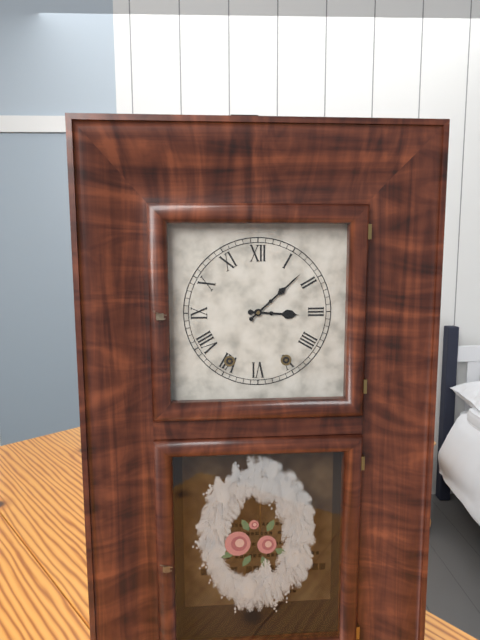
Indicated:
h=3 m=8
